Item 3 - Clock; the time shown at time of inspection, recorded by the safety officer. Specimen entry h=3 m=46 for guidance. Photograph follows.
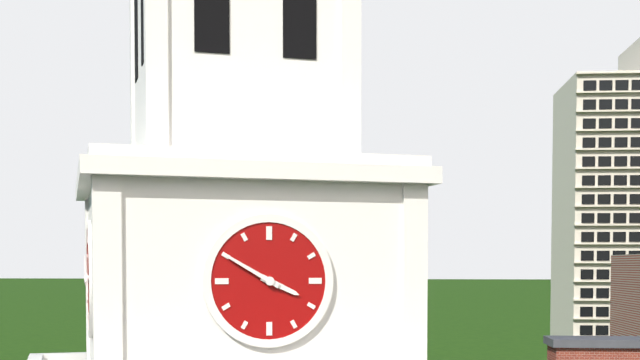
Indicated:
h=3 m=50
